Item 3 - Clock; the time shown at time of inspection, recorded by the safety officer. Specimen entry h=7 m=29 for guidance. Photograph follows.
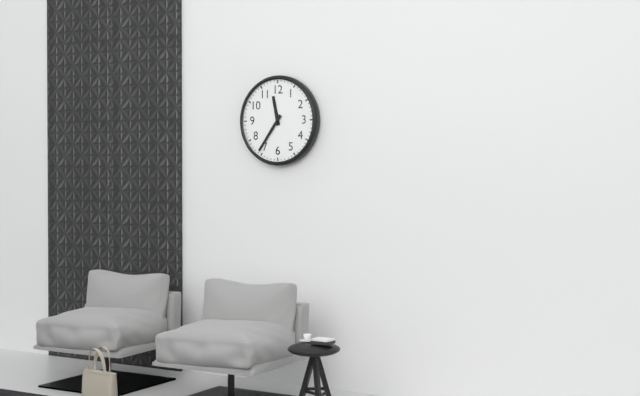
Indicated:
h=11 m=36
